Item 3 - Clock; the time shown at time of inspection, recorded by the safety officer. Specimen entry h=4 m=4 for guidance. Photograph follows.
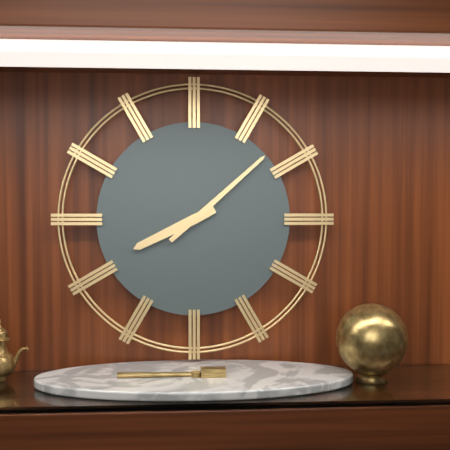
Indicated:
h=8 m=8
